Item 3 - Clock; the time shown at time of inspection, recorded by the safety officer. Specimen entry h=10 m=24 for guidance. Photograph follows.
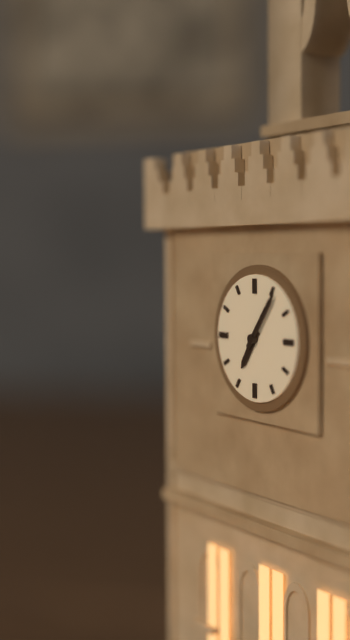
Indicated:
h=7 m=6
